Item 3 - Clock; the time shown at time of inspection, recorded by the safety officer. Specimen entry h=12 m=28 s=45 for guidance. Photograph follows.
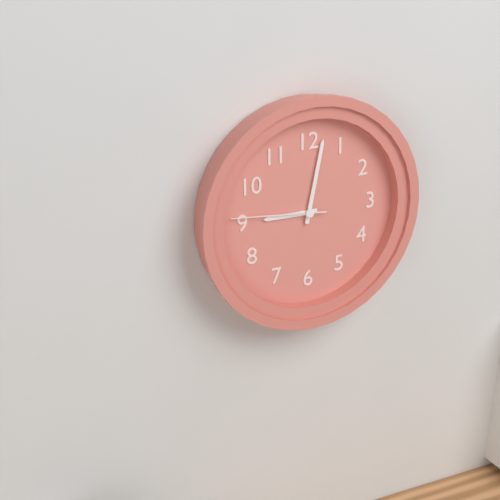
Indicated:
h=9 m=2 s=46
